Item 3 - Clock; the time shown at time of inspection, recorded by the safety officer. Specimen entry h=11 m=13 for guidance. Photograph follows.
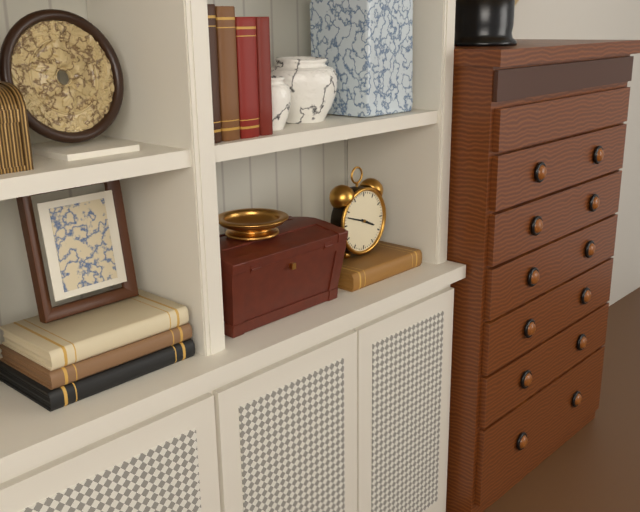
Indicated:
h=3 m=48
